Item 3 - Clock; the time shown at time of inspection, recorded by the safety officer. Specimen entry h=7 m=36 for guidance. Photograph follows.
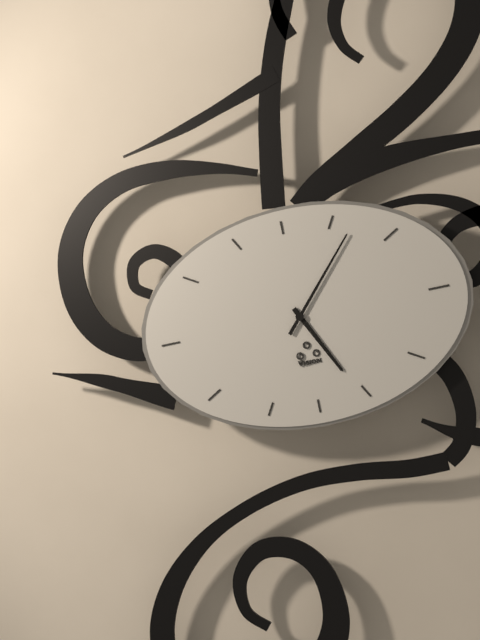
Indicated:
h=5 m=7
